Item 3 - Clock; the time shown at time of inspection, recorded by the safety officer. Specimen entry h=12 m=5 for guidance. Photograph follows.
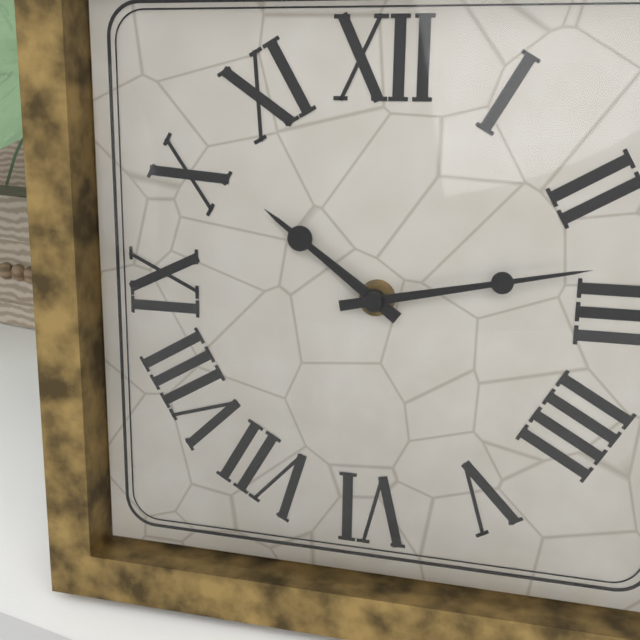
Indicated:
h=10 m=13
